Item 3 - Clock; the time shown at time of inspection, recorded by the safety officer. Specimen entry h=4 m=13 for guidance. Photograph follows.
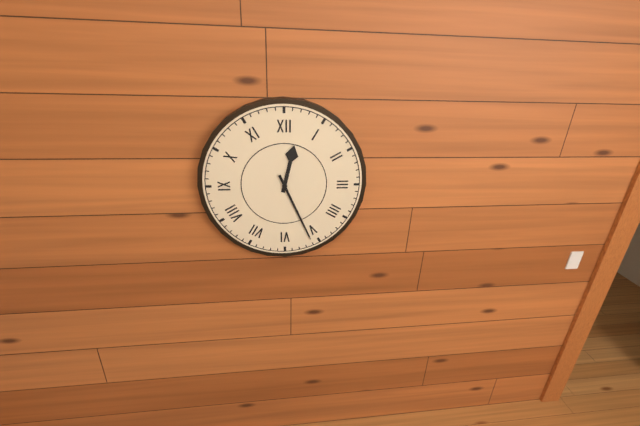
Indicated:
h=12 m=26
